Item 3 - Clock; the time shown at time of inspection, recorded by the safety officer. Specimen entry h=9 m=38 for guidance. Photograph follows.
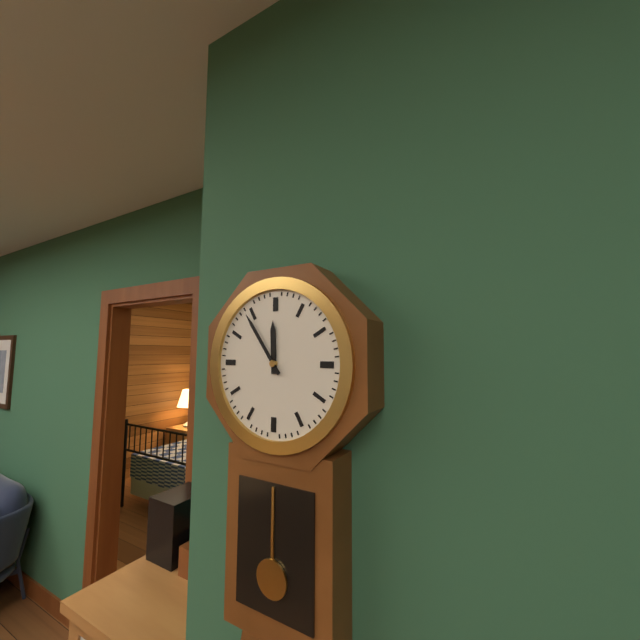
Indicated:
h=11 m=54
